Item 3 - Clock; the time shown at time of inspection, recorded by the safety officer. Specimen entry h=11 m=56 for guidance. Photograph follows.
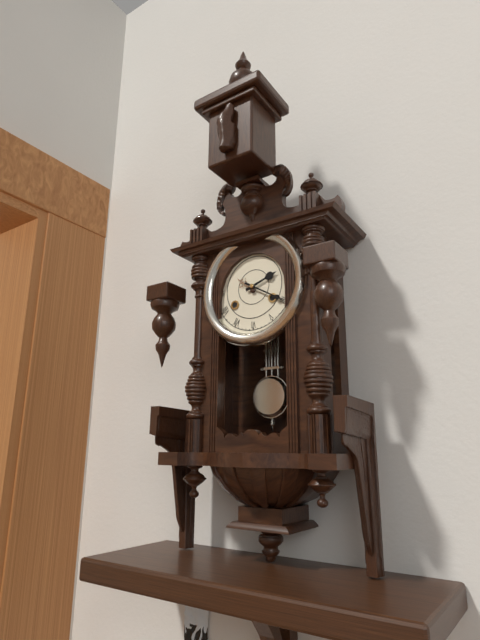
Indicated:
h=2 m=20
